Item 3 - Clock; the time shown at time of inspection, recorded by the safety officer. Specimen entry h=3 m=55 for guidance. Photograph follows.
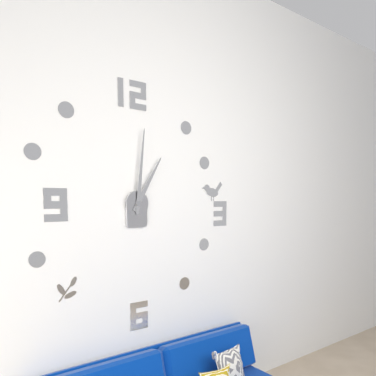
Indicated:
h=1 m=1
